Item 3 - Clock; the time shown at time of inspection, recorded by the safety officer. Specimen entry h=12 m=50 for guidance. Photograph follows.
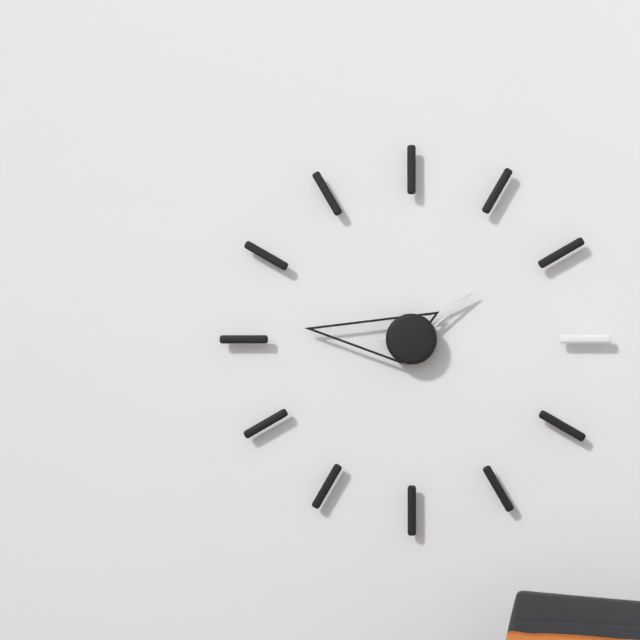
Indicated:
h=1 m=46
